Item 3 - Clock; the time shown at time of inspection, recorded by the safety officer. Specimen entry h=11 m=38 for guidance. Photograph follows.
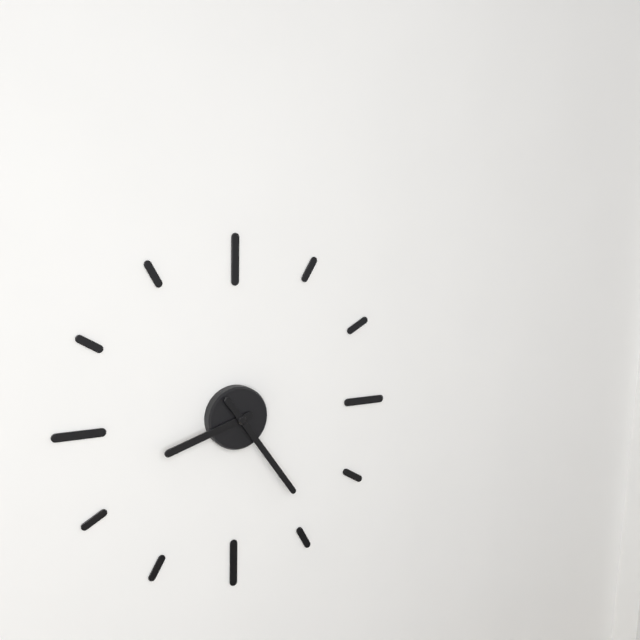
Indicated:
h=8 m=24
